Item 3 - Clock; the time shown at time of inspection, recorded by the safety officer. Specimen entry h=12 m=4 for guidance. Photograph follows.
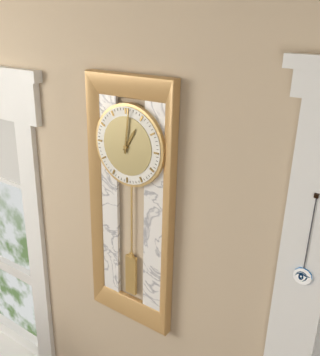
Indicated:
h=1 m=1
